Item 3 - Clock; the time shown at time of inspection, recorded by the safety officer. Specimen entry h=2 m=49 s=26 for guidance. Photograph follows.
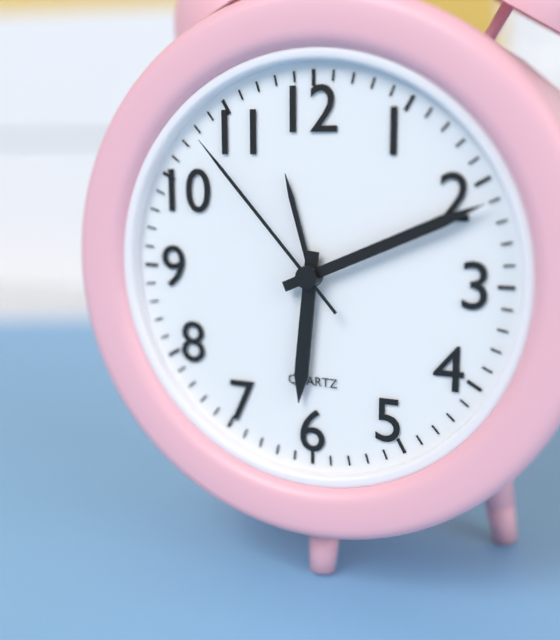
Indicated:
h=6 m=11 s=53
